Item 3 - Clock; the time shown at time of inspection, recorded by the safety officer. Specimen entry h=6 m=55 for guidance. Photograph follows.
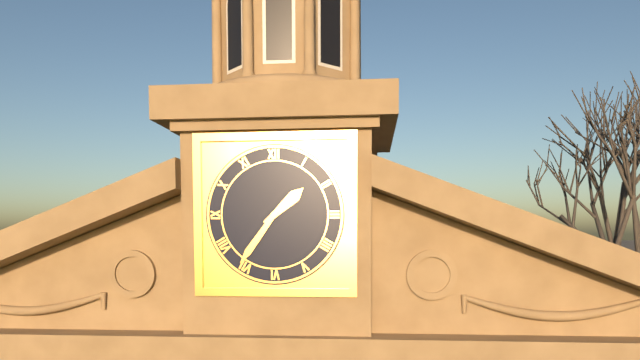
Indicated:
h=1 m=36
